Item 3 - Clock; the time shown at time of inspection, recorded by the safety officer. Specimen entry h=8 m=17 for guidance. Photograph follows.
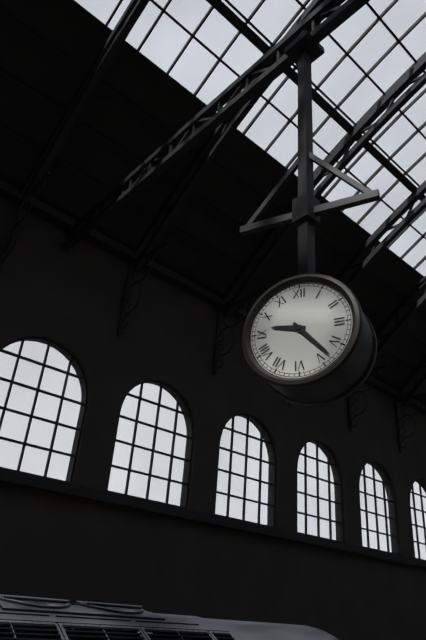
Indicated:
h=9 m=23
